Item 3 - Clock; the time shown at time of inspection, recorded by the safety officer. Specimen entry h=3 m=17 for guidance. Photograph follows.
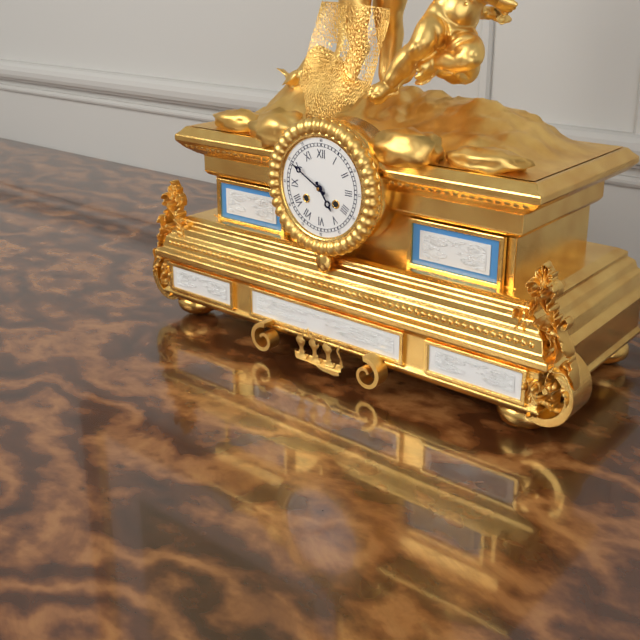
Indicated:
h=4 m=50
